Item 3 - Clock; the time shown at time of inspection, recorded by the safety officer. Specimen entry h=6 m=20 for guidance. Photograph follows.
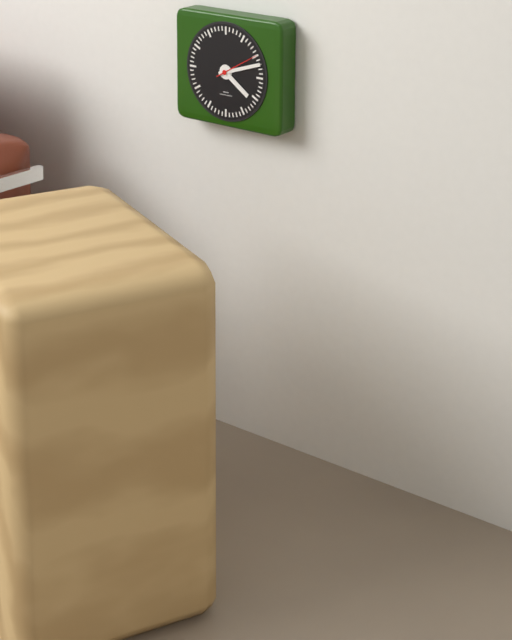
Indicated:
h=4 m=12
